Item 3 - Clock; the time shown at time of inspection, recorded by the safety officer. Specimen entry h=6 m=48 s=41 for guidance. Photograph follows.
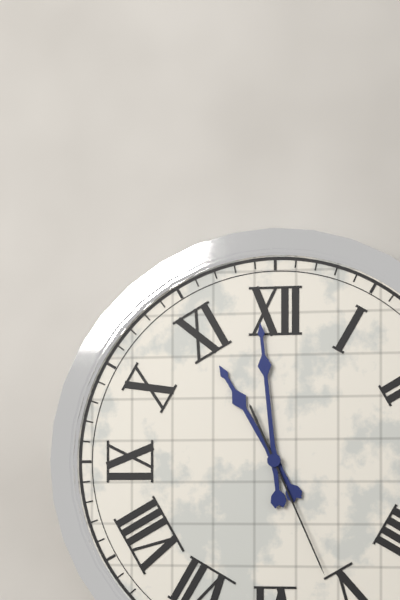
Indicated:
h=10 m=59 s=26
